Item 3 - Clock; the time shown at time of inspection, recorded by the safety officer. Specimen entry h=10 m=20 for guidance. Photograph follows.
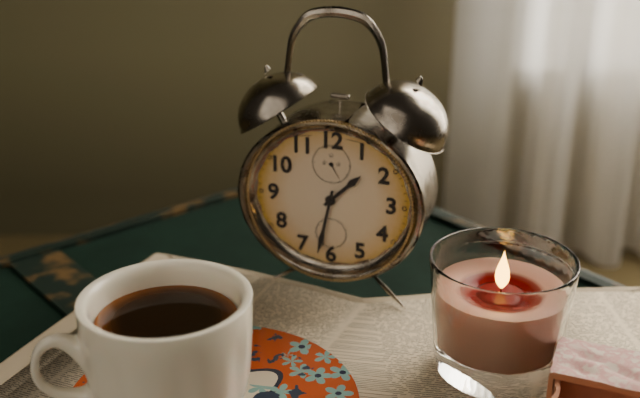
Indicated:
h=1 m=32
